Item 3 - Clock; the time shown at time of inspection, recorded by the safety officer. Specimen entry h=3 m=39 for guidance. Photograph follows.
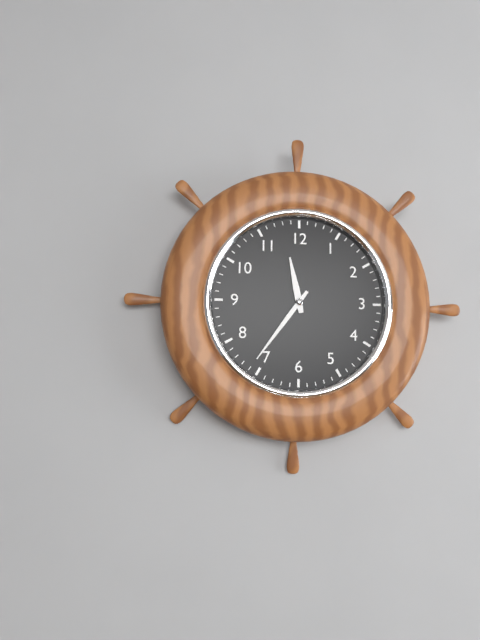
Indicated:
h=11 m=36
